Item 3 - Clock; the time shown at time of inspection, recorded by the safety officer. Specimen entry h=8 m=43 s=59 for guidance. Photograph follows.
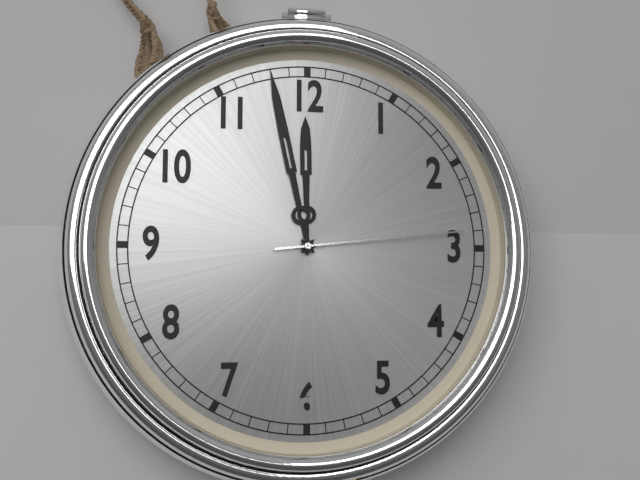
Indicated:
h=11 m=58 s=14
